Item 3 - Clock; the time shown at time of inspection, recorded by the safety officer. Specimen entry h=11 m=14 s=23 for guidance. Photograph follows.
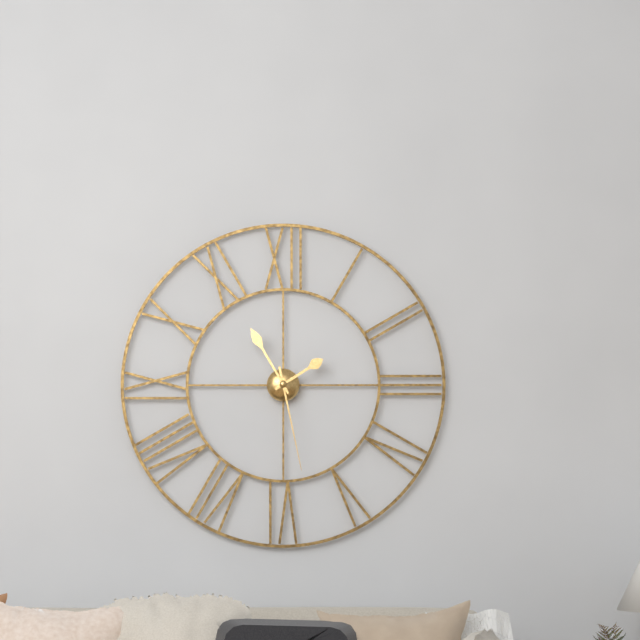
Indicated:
h=1 m=55 s=28
